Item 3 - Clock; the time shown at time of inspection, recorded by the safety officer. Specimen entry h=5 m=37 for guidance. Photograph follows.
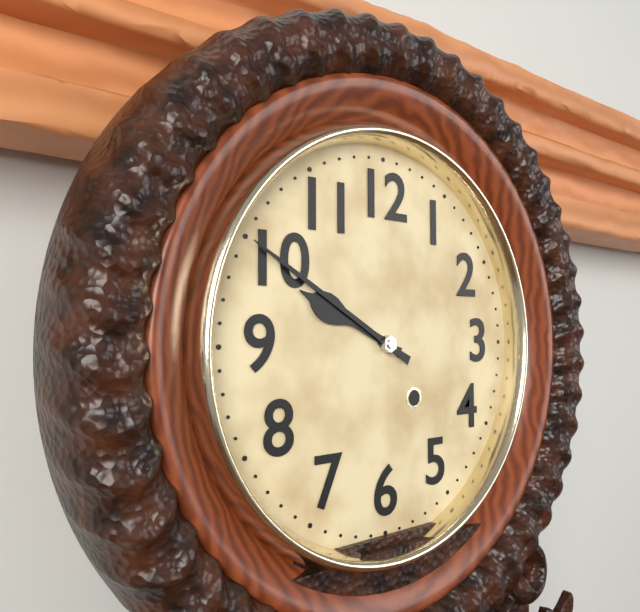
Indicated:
h=9 m=50
